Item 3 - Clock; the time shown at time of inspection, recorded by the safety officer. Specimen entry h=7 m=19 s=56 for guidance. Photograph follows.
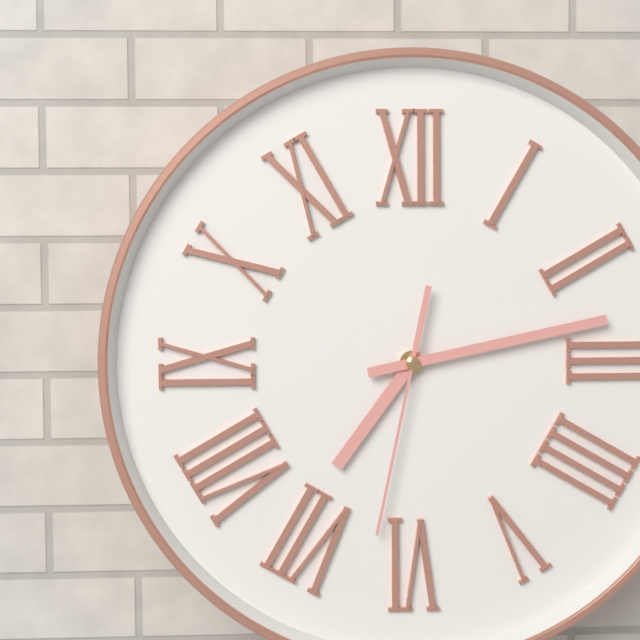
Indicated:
h=7 m=13 s=32
